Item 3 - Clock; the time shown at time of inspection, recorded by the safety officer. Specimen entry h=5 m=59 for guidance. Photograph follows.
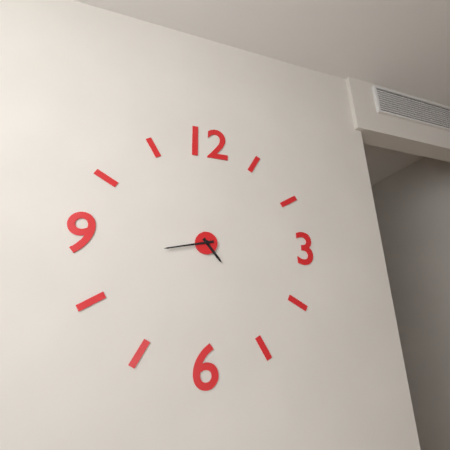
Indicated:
h=4 m=43
